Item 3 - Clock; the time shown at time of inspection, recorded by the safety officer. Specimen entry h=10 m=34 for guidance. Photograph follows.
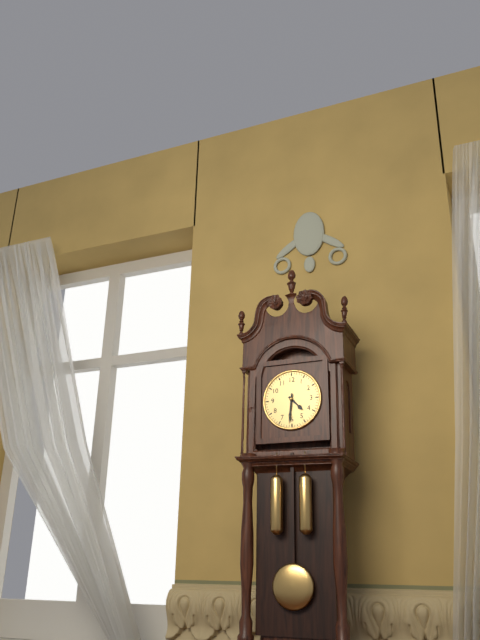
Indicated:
h=4 m=31
